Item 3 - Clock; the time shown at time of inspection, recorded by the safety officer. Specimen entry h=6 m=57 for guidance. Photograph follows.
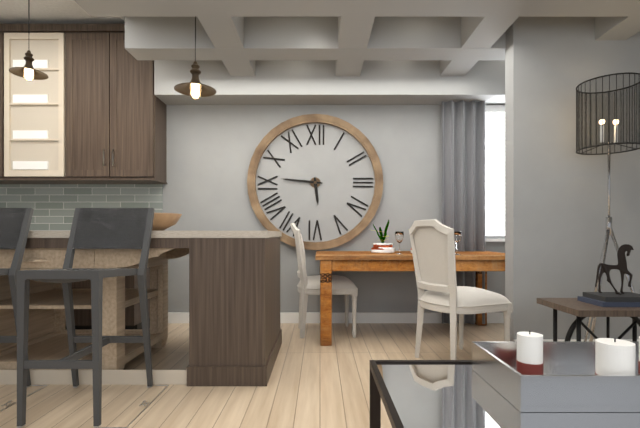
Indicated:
h=5 m=46
